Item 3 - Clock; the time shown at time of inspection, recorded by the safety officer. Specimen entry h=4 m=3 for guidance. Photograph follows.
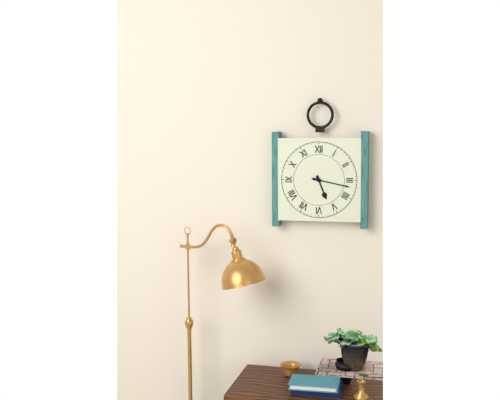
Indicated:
h=5 m=17
